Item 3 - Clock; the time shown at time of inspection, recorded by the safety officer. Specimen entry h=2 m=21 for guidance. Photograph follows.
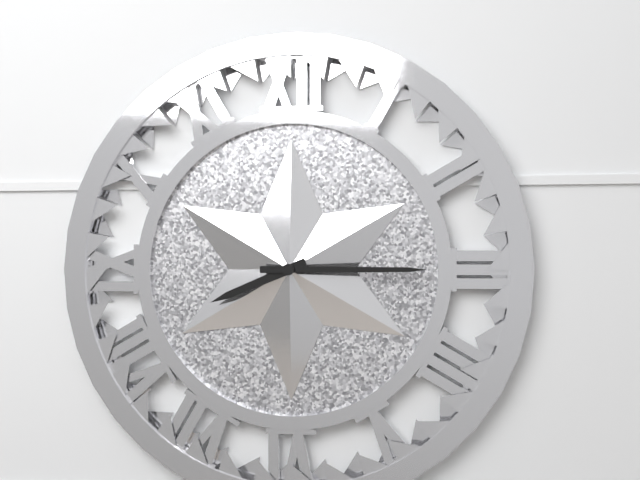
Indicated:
h=8 m=15
